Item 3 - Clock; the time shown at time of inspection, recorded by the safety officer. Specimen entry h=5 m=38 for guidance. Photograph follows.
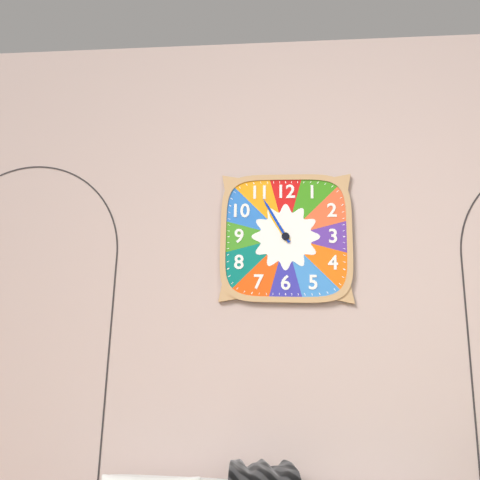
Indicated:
h=10 m=55
